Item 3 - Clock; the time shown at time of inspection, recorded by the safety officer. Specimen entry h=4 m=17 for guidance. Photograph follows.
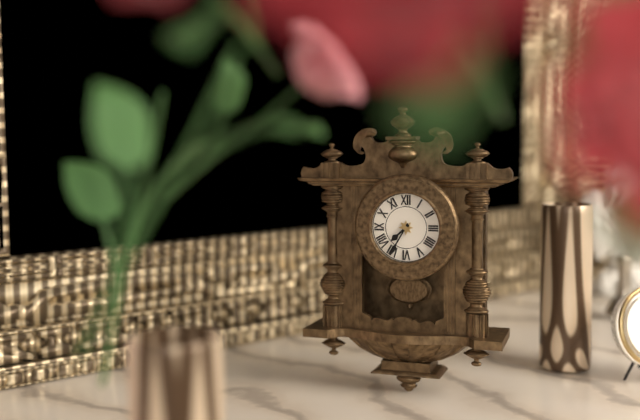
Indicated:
h=7 m=35
